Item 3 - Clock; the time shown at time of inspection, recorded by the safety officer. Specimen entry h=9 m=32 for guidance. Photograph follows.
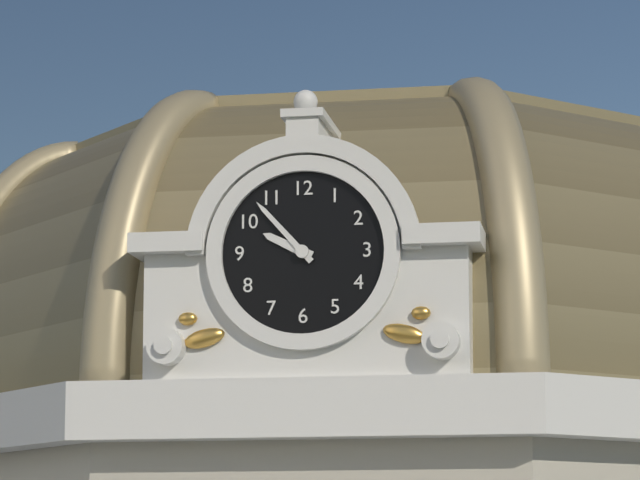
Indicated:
h=9 m=53
